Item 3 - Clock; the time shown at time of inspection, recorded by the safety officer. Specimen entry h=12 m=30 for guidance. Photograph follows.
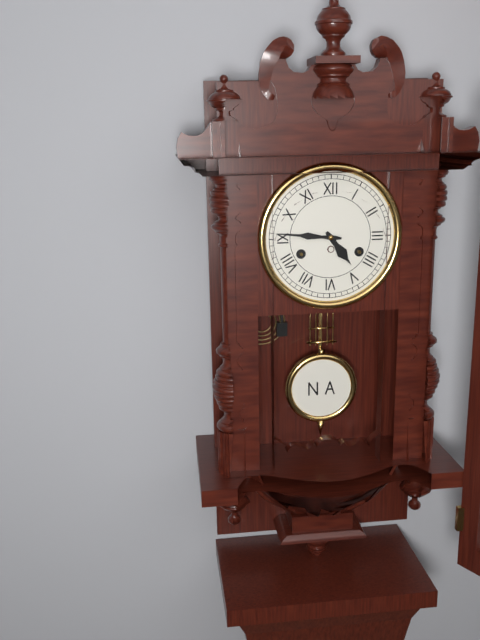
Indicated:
h=4 m=46
